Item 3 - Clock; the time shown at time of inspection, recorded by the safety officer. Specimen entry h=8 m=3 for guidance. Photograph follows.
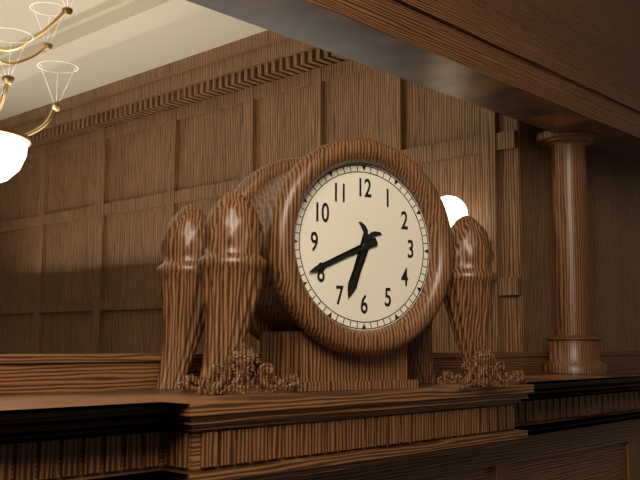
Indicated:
h=6 m=41
